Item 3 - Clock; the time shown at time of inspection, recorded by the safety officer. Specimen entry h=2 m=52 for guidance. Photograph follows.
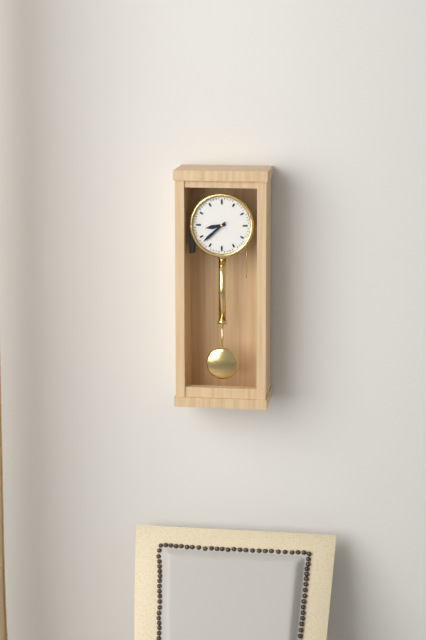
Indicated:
h=8 m=38
